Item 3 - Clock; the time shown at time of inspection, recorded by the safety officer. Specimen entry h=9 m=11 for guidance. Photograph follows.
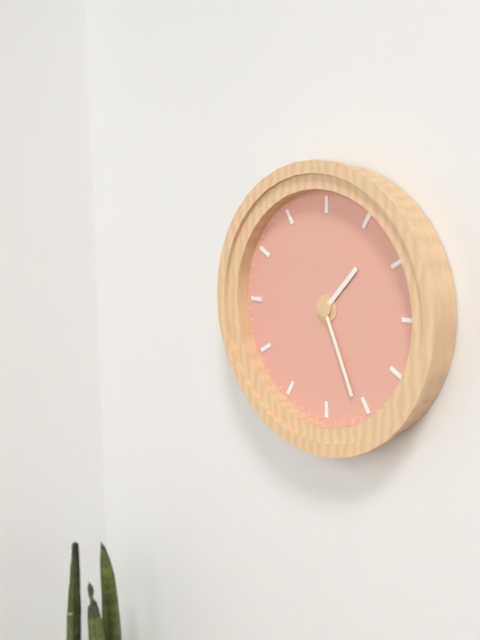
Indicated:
h=1 m=26
